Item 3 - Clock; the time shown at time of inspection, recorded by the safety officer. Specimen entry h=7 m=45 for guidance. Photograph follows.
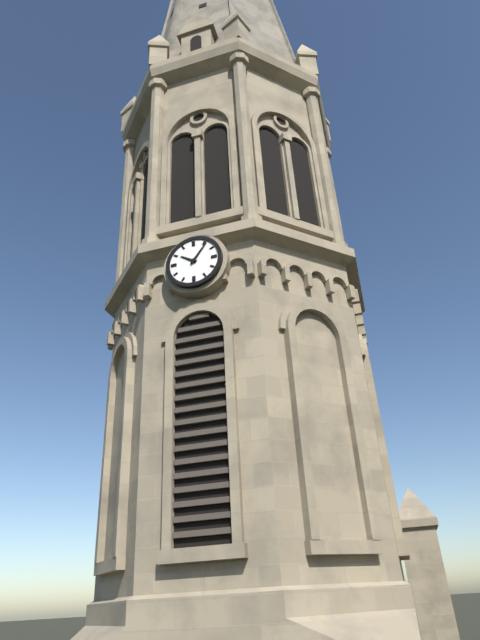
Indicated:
h=10 m=6
